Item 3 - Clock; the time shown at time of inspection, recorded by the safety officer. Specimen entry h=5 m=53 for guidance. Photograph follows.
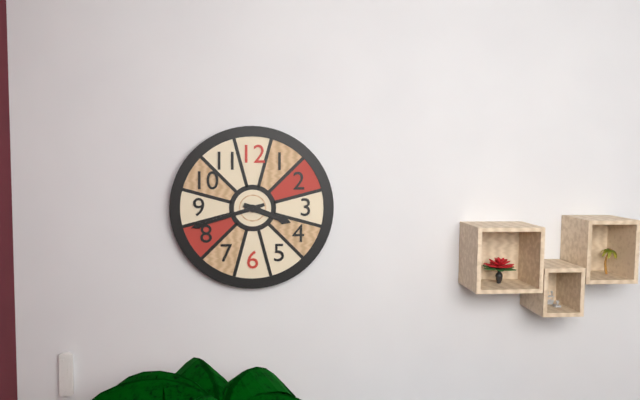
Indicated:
h=3 m=42
